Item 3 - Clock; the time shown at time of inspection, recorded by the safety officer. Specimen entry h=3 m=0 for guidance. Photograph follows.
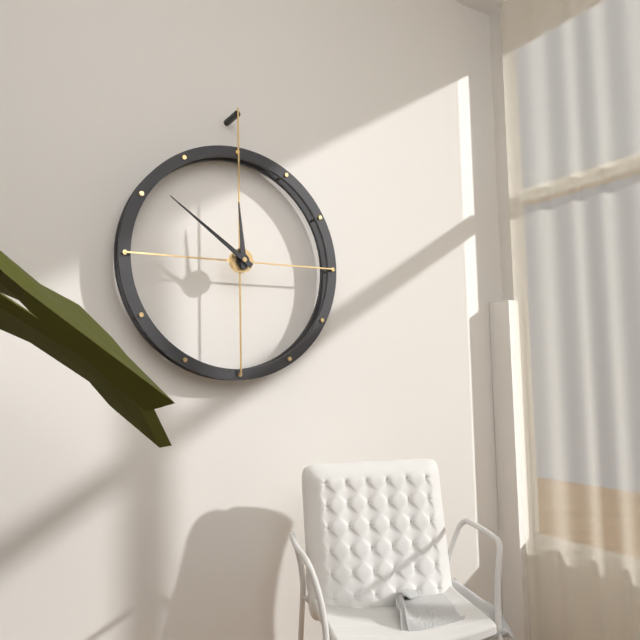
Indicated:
h=11 m=51
